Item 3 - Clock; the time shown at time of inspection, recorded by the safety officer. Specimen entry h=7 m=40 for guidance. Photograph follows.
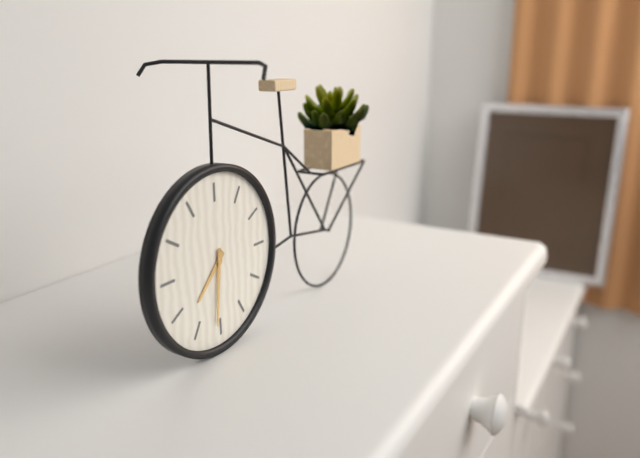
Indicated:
h=7 m=31
